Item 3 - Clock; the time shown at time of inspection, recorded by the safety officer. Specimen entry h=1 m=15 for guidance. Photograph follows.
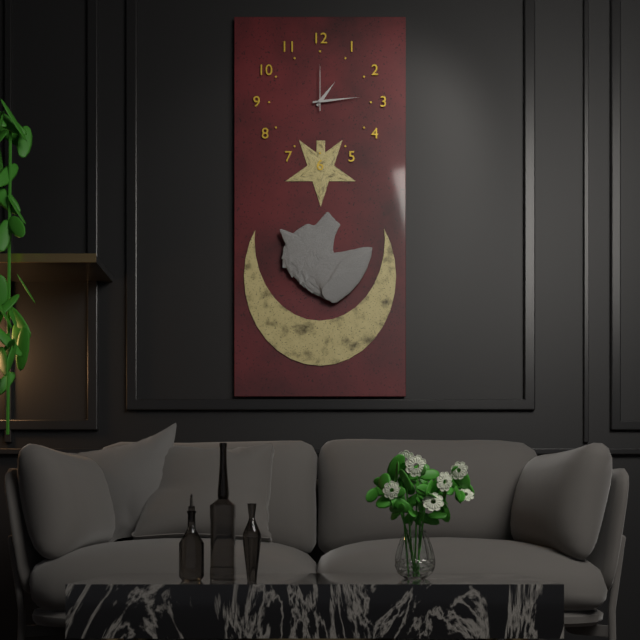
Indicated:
h=1 m=14
